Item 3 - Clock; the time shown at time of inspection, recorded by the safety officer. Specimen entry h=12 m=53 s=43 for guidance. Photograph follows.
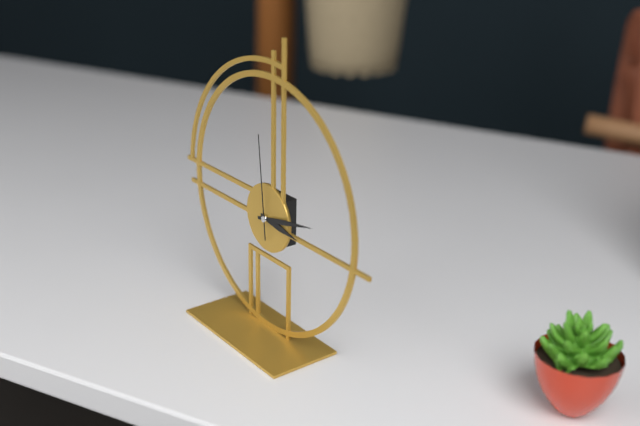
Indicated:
h=3 m=13 s=59
